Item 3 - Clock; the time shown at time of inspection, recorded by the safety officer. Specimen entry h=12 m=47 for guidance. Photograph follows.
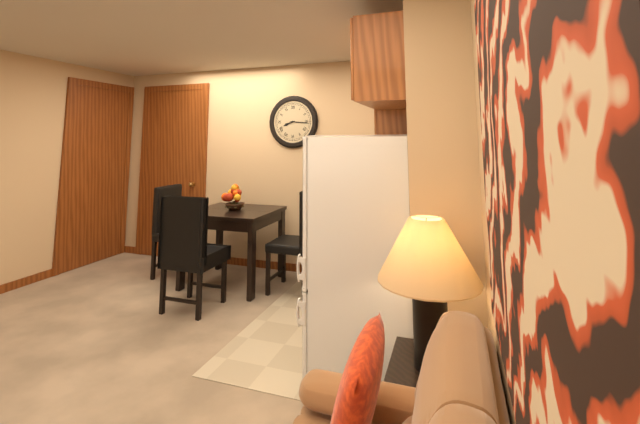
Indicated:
h=8 m=16
